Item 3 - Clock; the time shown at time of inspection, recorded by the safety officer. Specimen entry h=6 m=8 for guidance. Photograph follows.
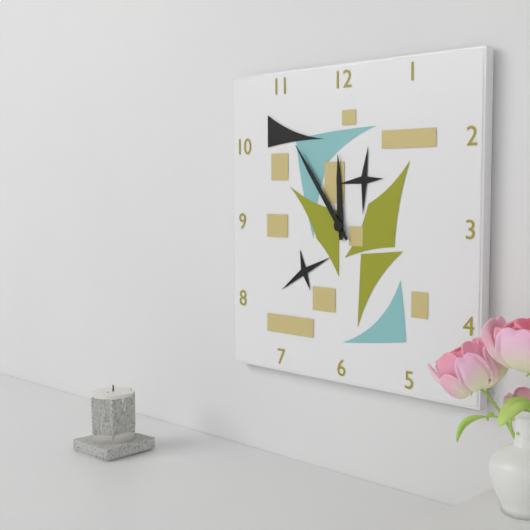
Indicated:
h=11 m=54
